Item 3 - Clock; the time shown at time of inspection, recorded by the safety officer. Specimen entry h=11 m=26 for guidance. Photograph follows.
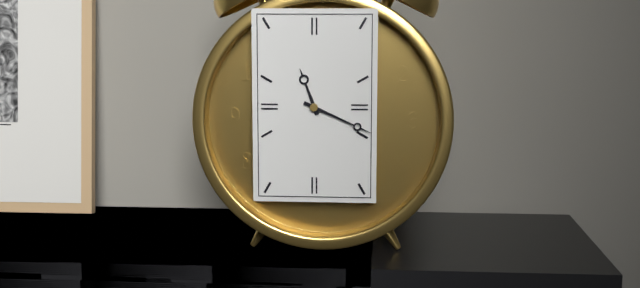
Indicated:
h=11 m=19
